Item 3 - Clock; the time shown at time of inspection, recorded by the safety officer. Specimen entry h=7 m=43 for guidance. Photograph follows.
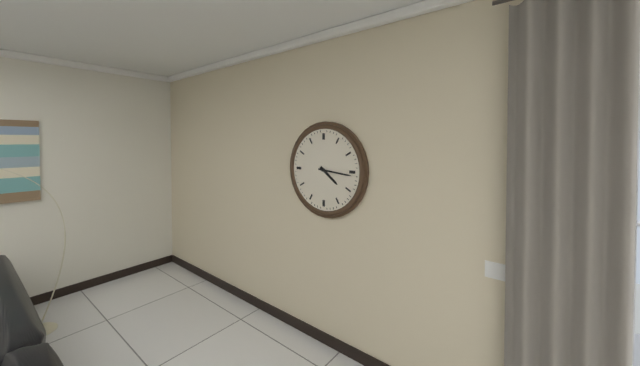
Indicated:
h=4 m=16
